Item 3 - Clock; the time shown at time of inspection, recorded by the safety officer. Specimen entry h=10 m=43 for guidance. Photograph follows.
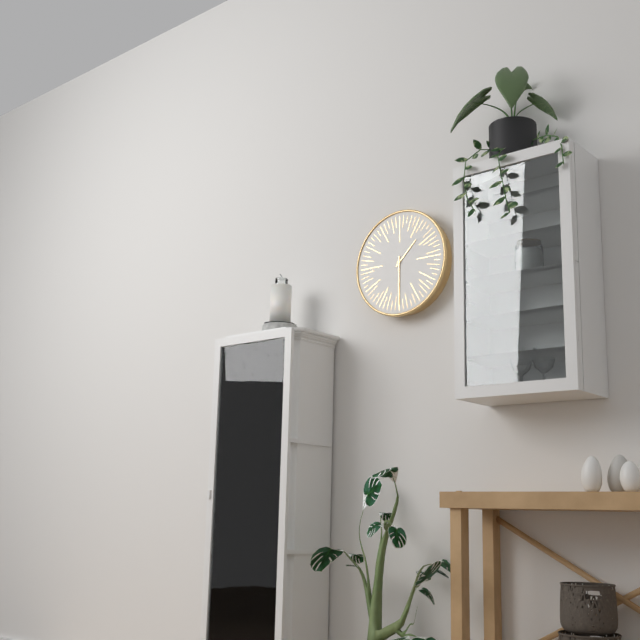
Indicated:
h=1 m=30
